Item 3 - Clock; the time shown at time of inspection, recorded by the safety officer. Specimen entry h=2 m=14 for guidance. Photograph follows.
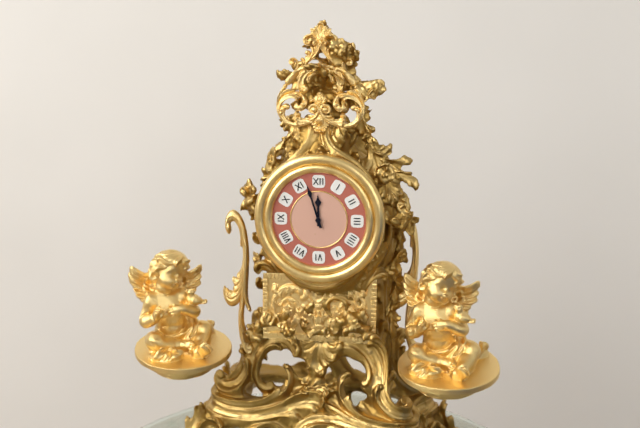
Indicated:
h=11 m=57
